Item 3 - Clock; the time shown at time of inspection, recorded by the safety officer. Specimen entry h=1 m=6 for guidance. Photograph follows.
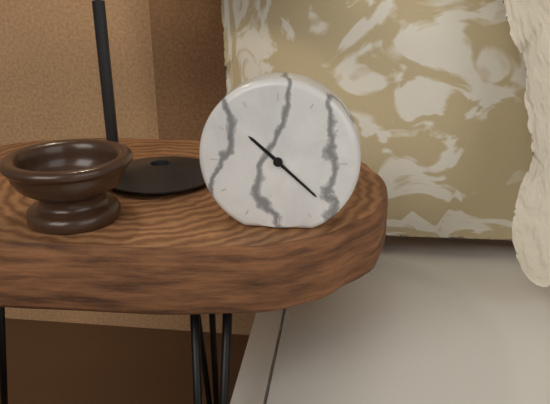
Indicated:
h=10 m=22
